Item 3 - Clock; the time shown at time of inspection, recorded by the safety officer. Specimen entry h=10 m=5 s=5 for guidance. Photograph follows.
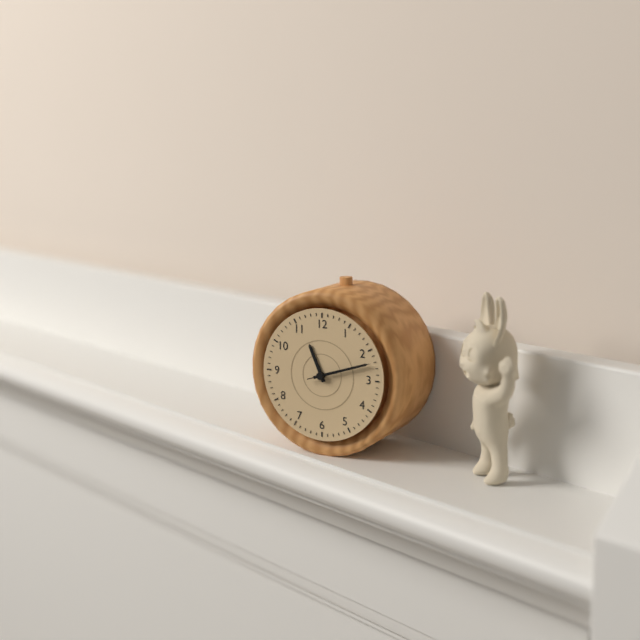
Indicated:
h=11 m=12 s=12
